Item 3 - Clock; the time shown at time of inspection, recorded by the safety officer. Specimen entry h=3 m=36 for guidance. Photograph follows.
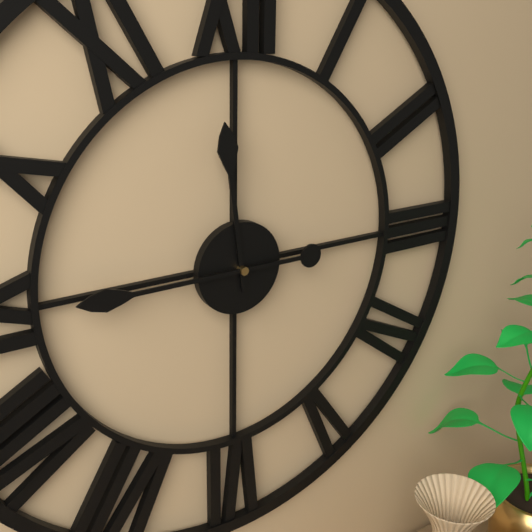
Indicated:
h=11 m=45
